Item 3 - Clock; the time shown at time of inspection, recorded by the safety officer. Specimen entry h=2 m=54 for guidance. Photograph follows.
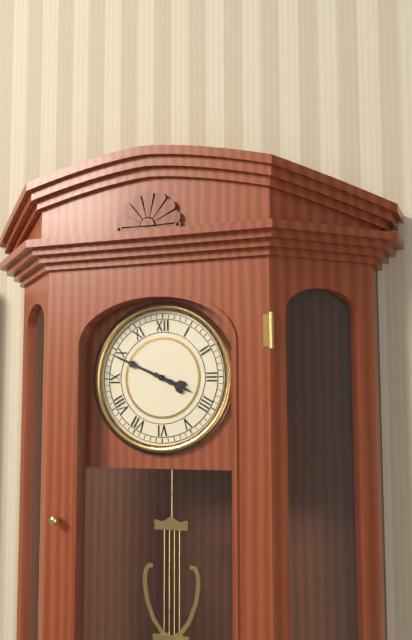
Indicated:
h=3 m=49
